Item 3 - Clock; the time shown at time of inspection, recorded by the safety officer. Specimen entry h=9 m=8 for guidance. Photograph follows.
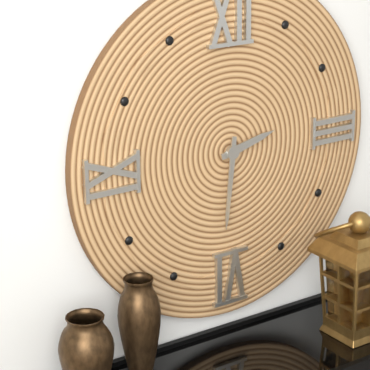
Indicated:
h=2 m=31
